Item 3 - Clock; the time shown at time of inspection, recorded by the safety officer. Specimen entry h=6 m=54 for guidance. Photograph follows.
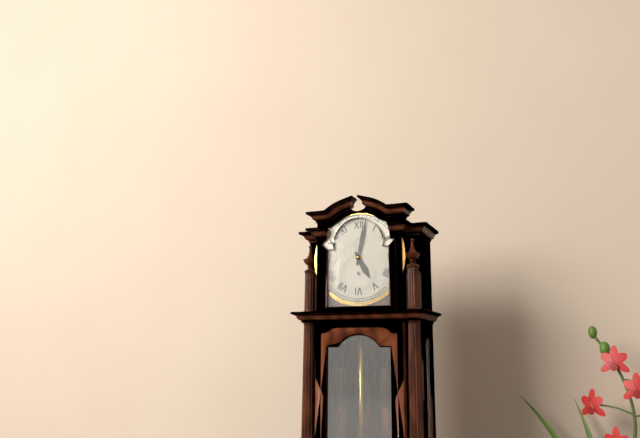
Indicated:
h=5 m=2
